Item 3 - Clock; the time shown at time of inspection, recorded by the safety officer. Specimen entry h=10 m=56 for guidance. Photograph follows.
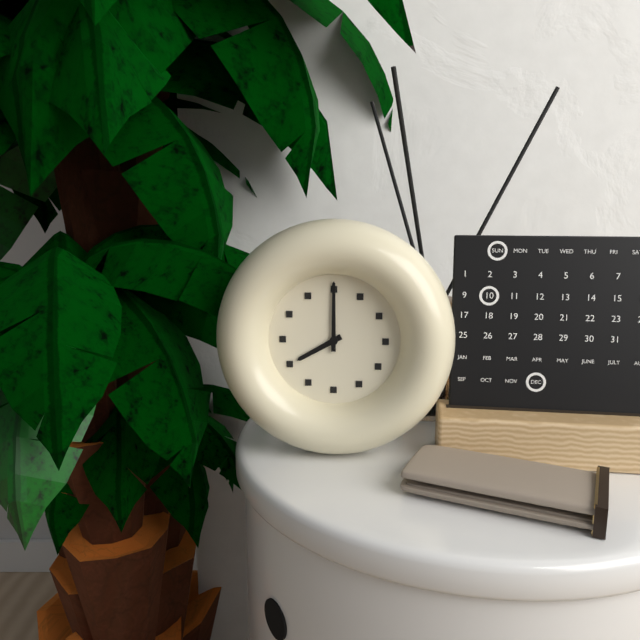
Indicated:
h=8 m=0
